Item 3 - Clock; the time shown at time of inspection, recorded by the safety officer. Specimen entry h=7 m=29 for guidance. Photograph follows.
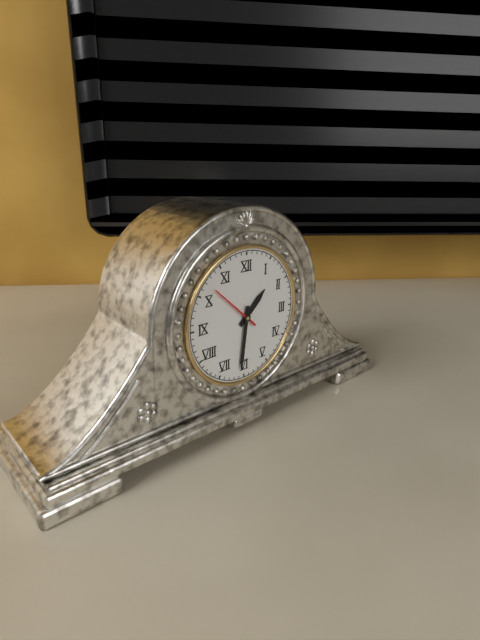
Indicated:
h=1 m=31
